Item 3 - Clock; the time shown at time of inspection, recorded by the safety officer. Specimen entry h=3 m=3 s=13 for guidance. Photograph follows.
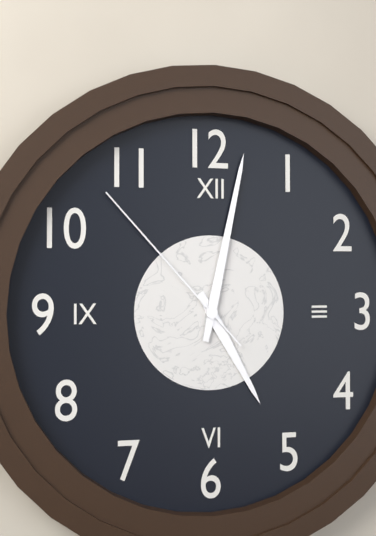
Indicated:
h=5 m=2 s=53
